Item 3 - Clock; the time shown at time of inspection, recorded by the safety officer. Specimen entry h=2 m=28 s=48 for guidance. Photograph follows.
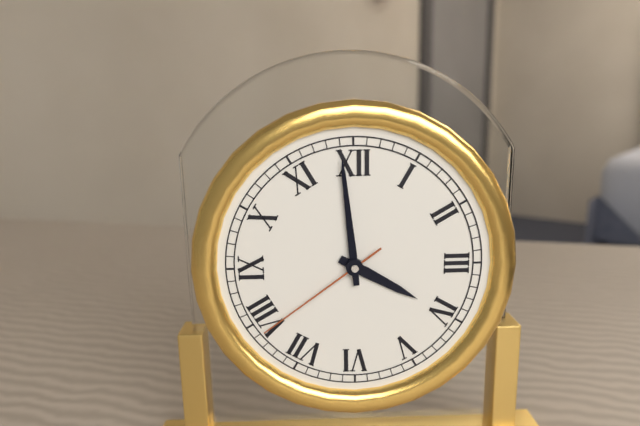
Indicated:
h=3 m=59 s=39
